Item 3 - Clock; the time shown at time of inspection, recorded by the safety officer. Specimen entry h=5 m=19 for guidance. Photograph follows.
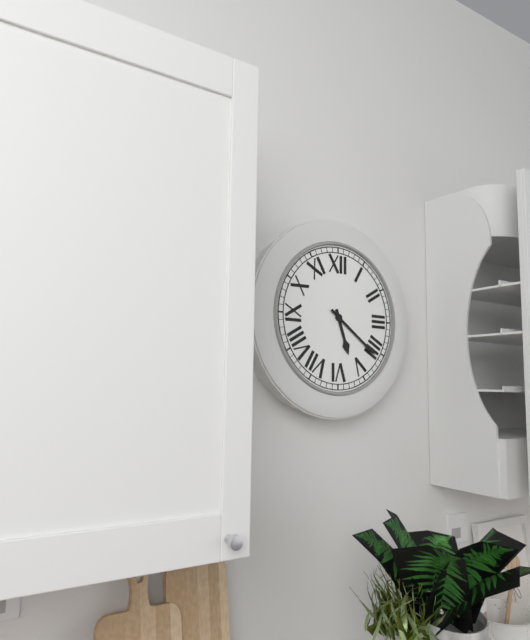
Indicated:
h=5 m=21
